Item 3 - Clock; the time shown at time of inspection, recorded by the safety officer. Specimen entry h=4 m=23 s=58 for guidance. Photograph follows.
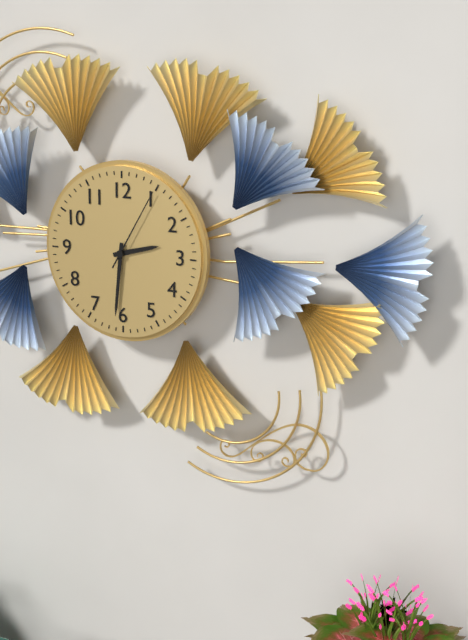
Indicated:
h=2 m=31 s=5
